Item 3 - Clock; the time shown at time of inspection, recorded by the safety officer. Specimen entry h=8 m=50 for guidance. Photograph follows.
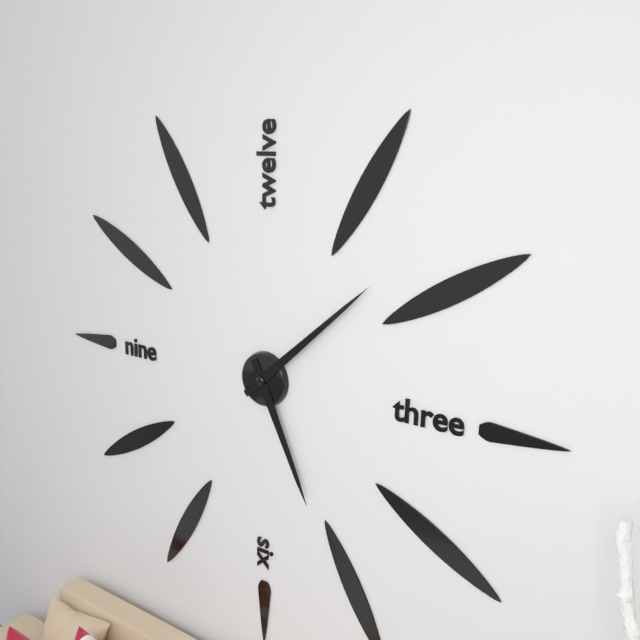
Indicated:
h=5 m=8
